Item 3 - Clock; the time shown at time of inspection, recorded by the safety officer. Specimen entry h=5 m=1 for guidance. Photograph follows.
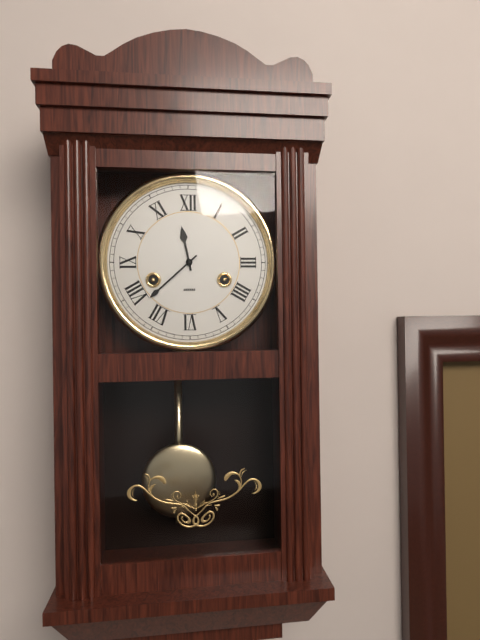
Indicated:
h=11 m=38
